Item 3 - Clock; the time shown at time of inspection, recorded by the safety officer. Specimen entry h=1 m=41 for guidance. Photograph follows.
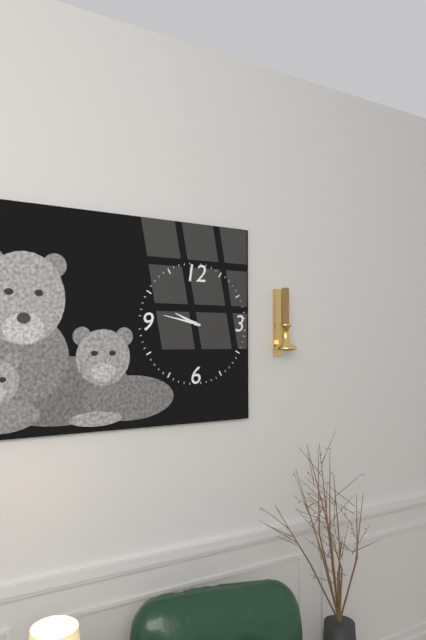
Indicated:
h=9 m=47
